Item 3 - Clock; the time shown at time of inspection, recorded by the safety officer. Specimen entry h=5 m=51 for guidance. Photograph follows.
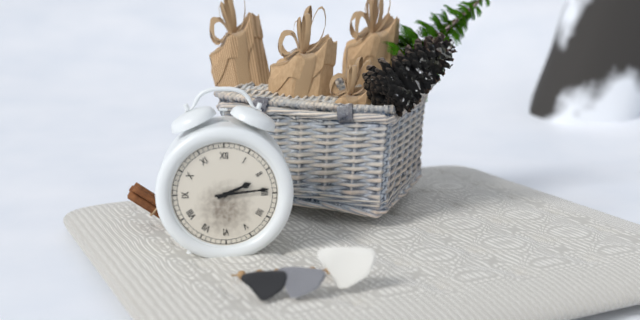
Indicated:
h=2 m=14
